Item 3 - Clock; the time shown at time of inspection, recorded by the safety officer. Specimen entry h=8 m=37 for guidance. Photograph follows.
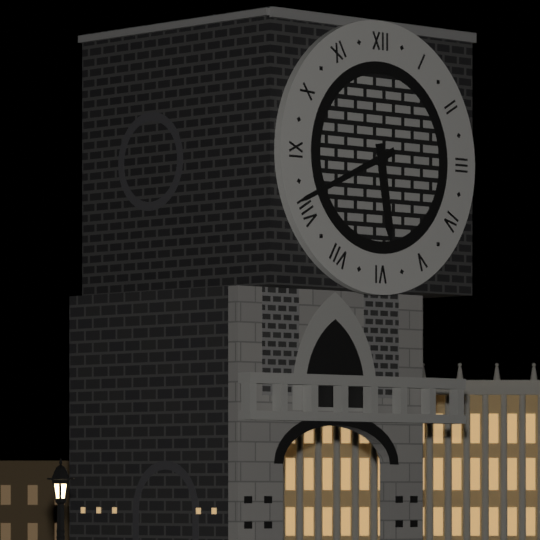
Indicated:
h=5 m=41
